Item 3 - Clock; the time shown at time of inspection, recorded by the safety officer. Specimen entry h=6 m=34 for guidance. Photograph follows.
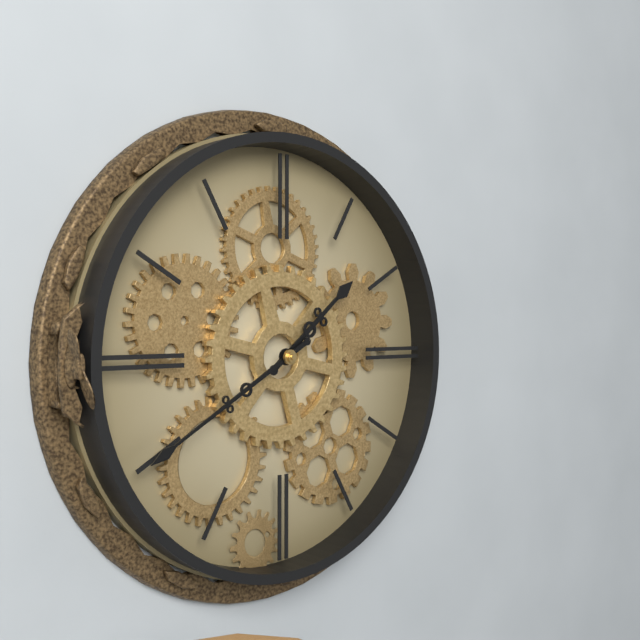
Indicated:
h=1 m=40
